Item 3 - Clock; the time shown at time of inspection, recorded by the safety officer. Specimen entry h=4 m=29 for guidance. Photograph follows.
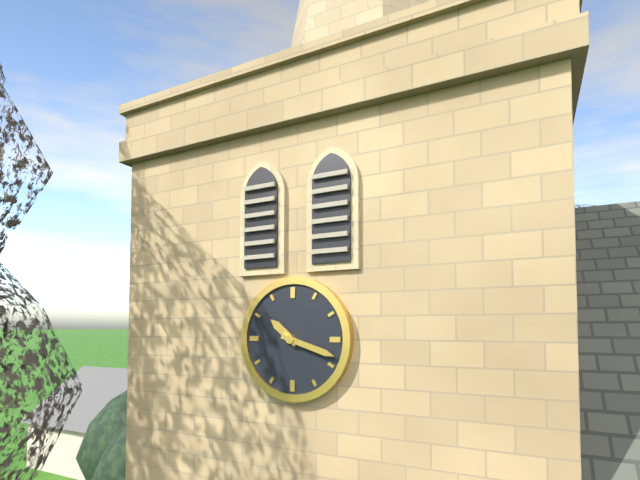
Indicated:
h=10 m=18
